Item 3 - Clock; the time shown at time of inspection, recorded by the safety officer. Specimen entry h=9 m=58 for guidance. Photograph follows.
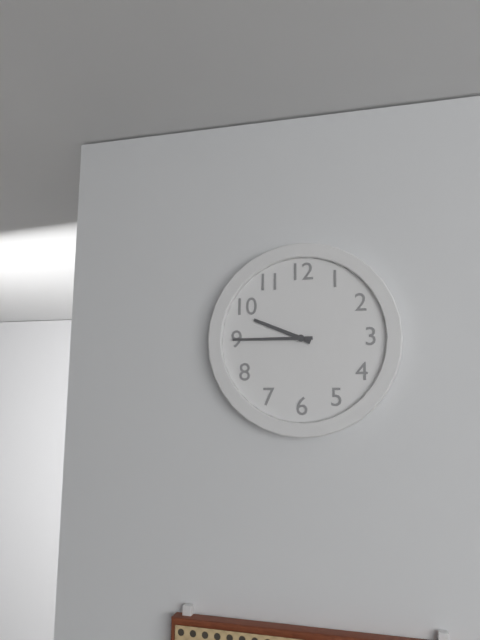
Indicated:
h=9 m=45
